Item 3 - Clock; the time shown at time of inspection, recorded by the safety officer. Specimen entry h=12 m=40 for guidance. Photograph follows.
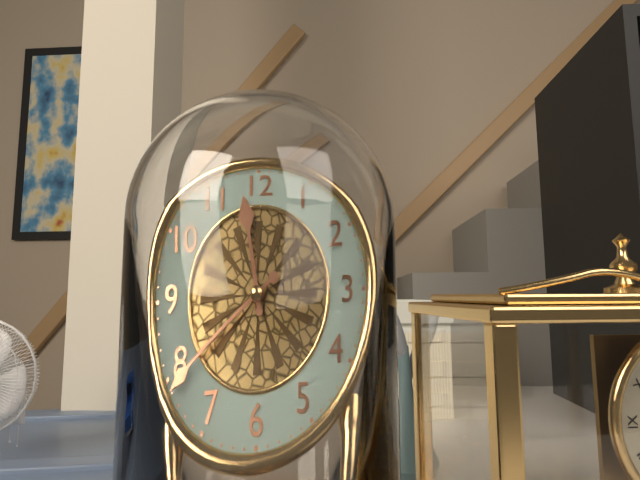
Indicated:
h=11 m=39
